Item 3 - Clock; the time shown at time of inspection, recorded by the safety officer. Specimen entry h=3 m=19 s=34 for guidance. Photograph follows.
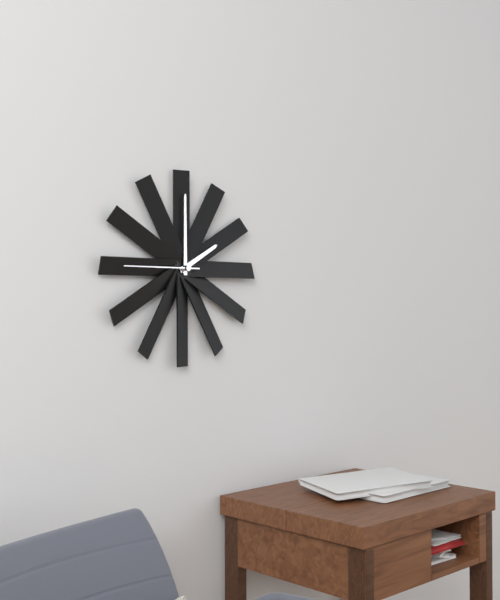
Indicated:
h=2 m=0 s=45
